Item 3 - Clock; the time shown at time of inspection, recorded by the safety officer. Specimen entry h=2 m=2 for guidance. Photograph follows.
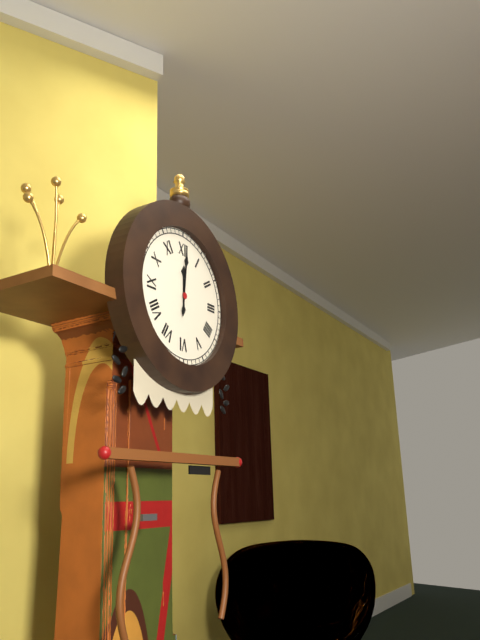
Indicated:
h=12 m=1
